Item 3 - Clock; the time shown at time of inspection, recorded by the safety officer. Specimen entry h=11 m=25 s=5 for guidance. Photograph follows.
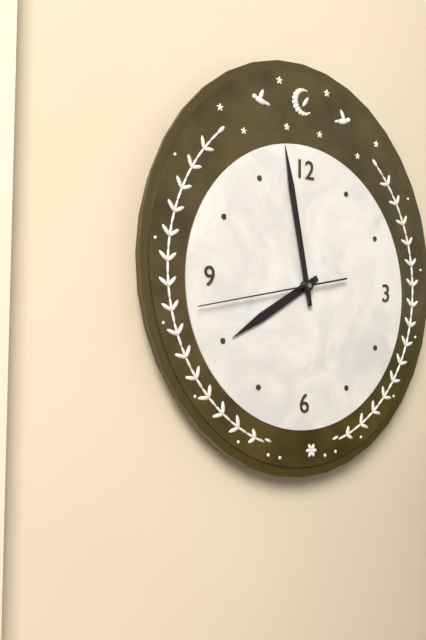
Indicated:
h=7 m=58 s=43
